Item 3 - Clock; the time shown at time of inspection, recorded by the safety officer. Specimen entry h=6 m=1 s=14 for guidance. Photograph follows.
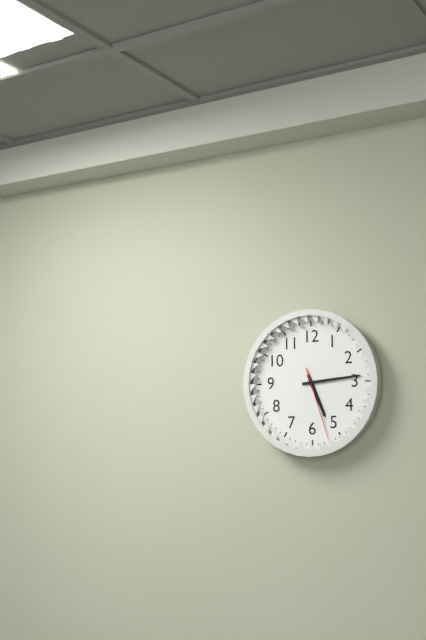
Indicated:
h=5 m=14 s=27
